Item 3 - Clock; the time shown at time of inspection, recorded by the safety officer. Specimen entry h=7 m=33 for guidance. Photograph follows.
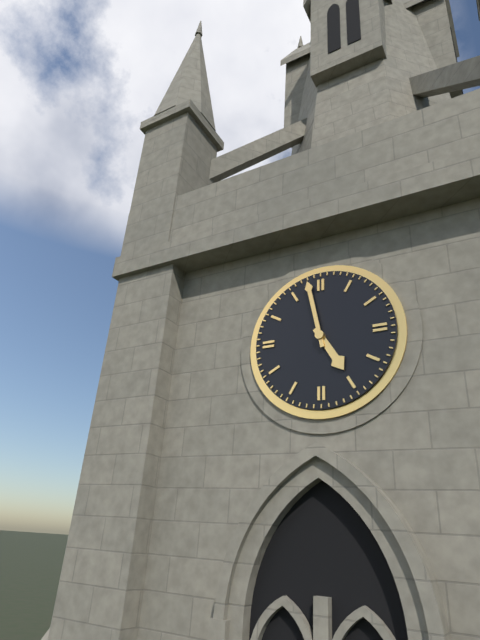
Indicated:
h=4 m=58
